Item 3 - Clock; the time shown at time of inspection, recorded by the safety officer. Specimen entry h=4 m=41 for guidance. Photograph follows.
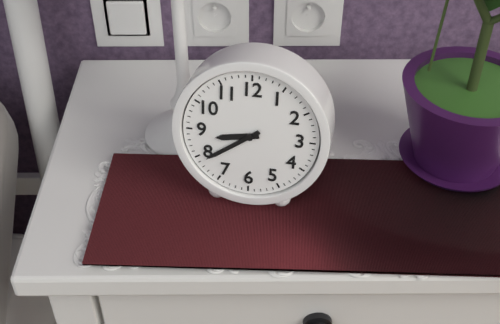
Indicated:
h=8 m=39
